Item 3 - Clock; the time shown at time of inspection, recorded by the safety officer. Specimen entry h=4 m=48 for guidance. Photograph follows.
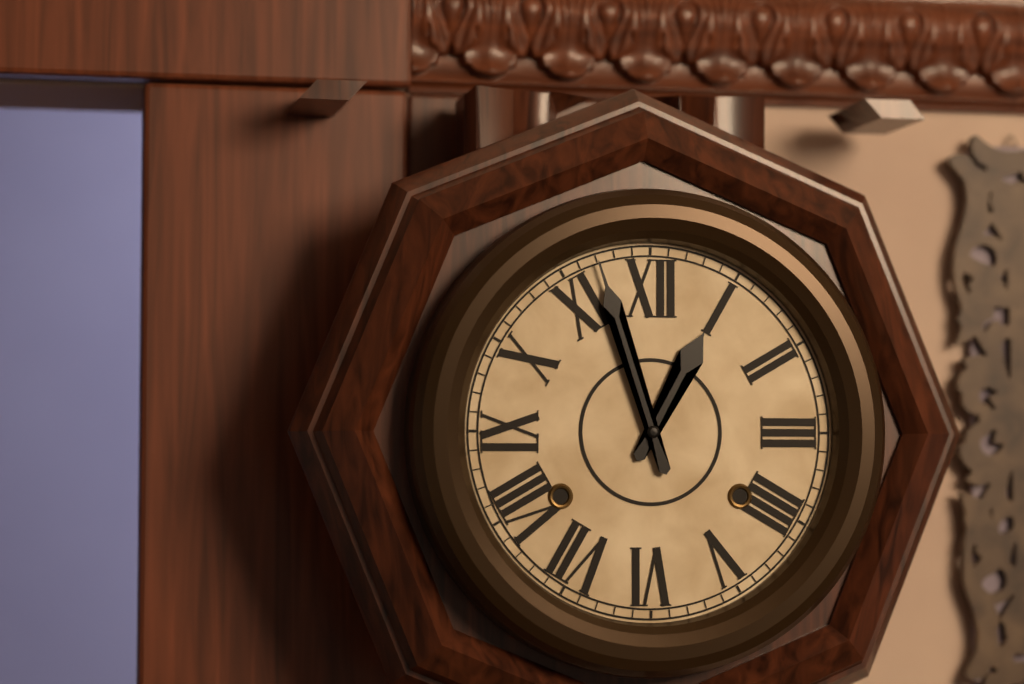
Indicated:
h=12 m=57
